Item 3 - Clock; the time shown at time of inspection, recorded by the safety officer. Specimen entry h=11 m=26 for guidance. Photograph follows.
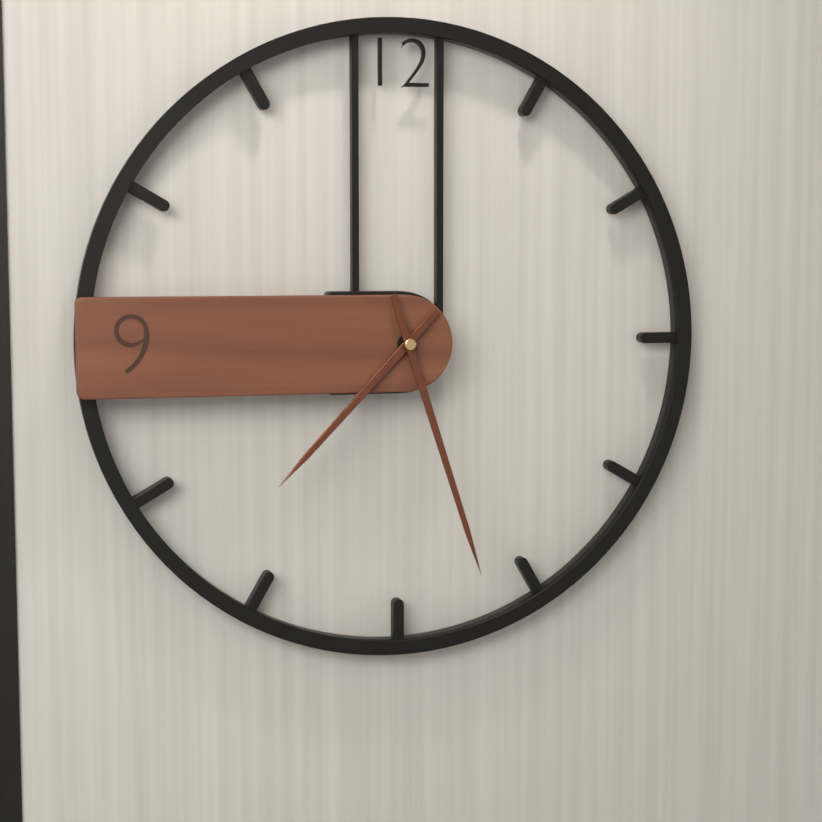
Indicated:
h=7 m=27
